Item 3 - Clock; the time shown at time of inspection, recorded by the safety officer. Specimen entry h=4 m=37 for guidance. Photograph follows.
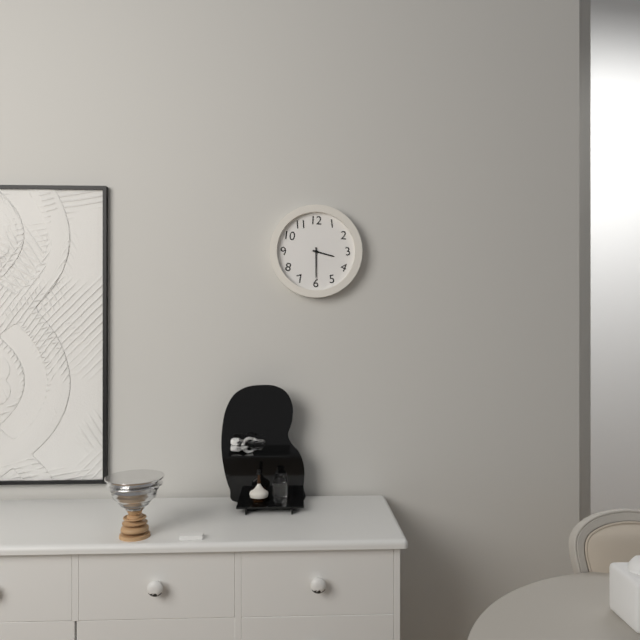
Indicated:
h=3 m=30
